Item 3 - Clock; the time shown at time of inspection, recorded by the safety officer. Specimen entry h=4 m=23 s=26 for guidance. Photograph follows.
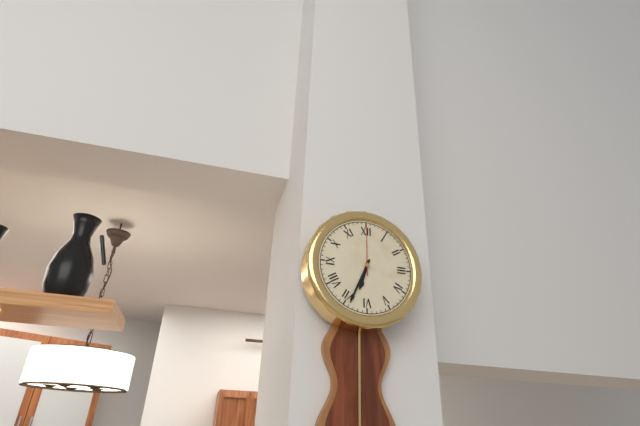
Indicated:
h=6 m=34 s=0
